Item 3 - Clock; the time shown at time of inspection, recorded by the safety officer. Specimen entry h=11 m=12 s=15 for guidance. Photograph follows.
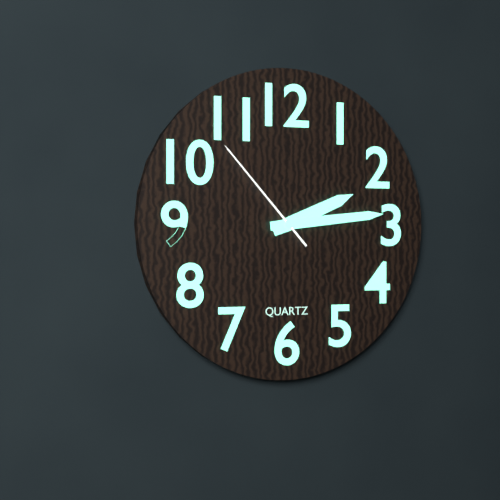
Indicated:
h=2 m=14 s=53
